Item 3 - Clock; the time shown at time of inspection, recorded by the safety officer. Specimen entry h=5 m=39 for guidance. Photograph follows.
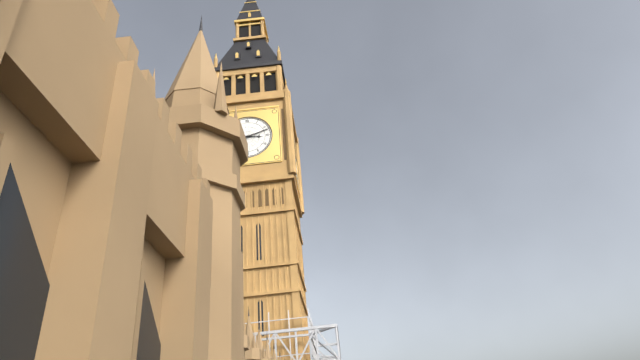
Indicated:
h=3 m=12
